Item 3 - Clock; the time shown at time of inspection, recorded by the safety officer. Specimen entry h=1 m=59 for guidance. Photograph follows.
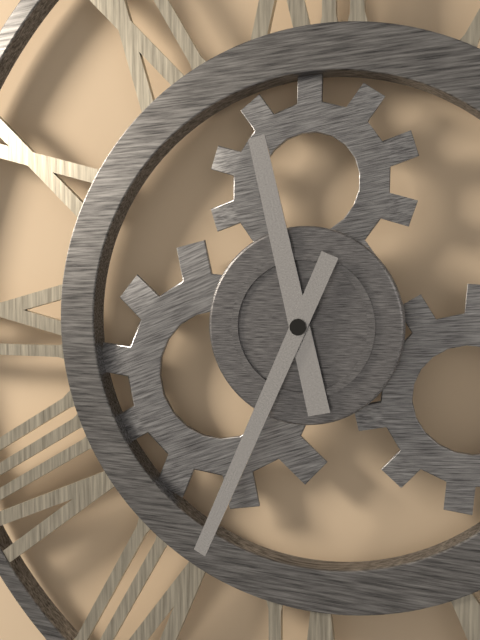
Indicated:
h=11 m=34
